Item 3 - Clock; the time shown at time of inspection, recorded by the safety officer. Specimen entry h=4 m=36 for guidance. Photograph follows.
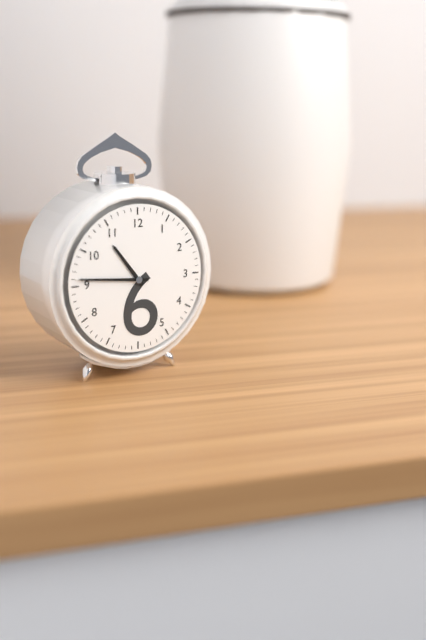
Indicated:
h=10 m=46
